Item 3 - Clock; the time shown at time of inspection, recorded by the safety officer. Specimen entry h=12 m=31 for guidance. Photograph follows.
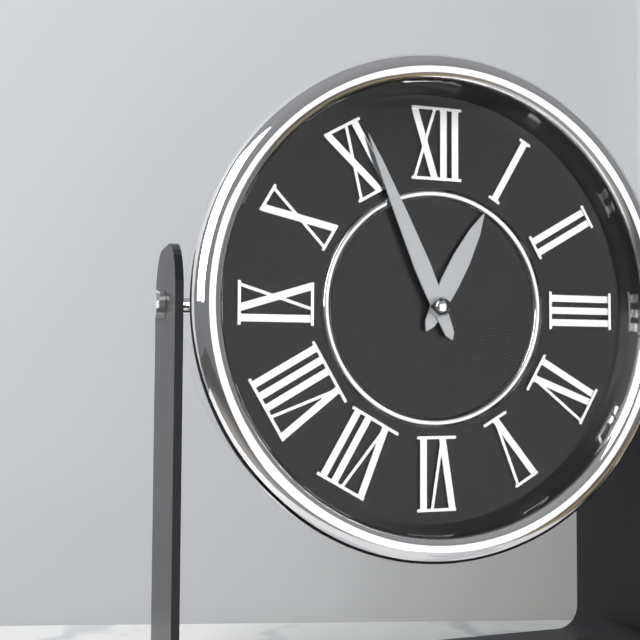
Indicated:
h=12 m=56
